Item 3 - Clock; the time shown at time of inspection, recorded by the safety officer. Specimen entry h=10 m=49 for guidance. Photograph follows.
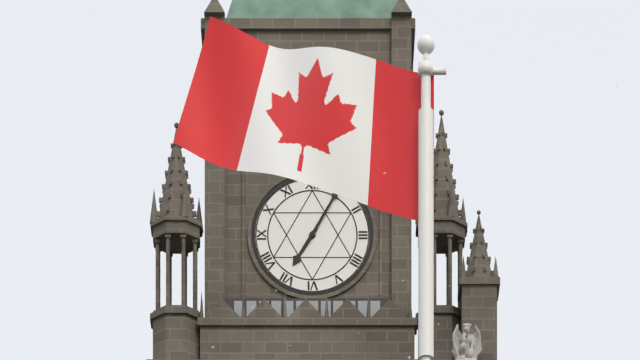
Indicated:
h=7 m=5
